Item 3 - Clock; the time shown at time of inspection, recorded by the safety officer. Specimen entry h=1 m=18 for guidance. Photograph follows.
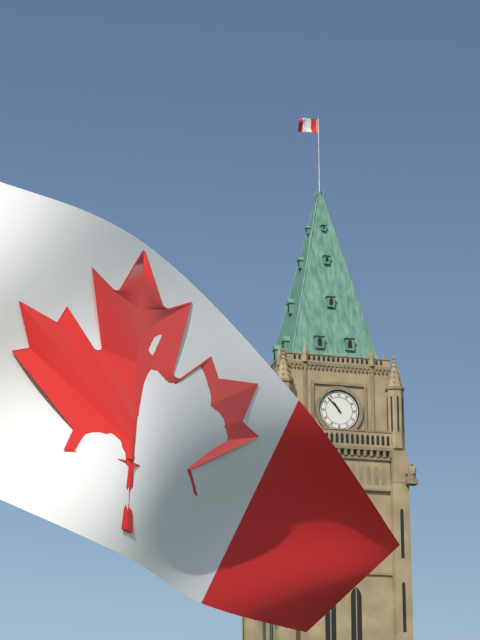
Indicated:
h=10 m=53
